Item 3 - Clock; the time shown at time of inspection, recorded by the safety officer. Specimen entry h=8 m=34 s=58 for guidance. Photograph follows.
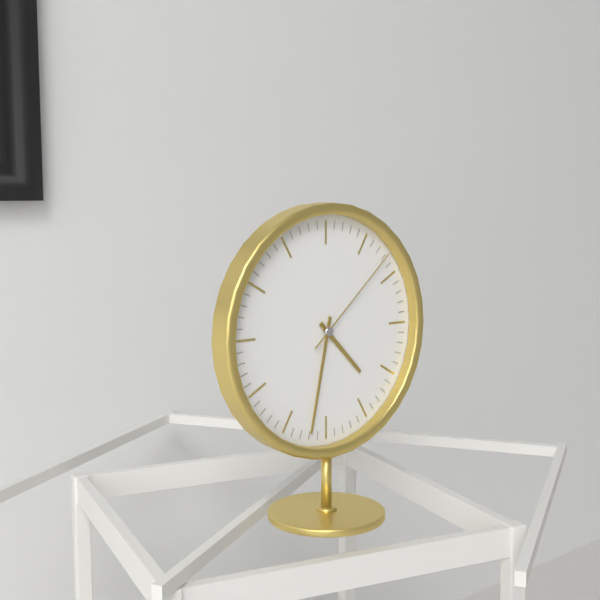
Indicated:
h=4 m=32 s=8
